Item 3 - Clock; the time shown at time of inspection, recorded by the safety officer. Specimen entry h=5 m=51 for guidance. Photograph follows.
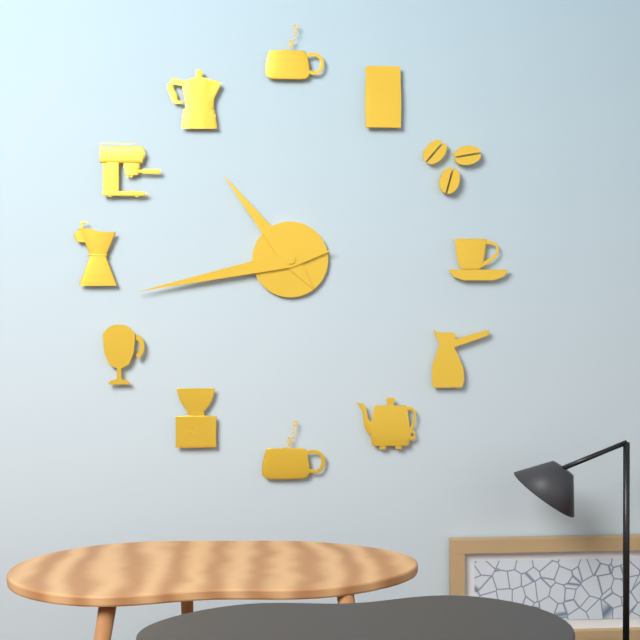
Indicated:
h=10 m=43
